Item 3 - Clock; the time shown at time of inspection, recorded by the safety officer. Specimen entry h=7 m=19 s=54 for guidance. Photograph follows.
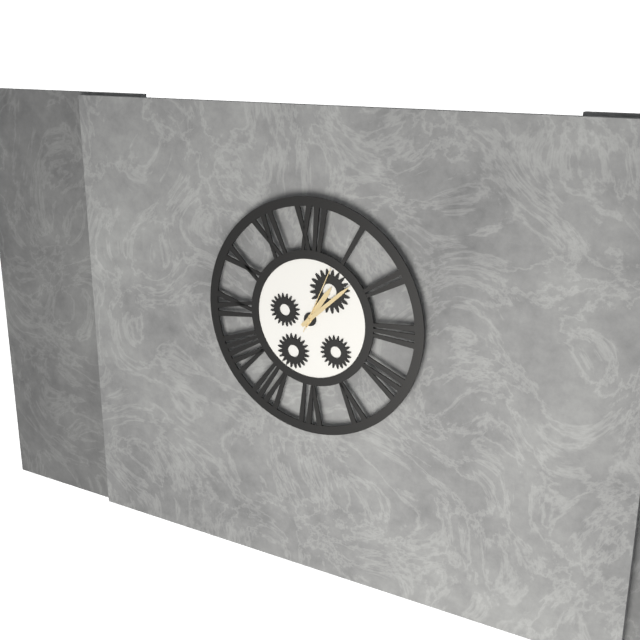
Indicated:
h=1 m=8 s=4
